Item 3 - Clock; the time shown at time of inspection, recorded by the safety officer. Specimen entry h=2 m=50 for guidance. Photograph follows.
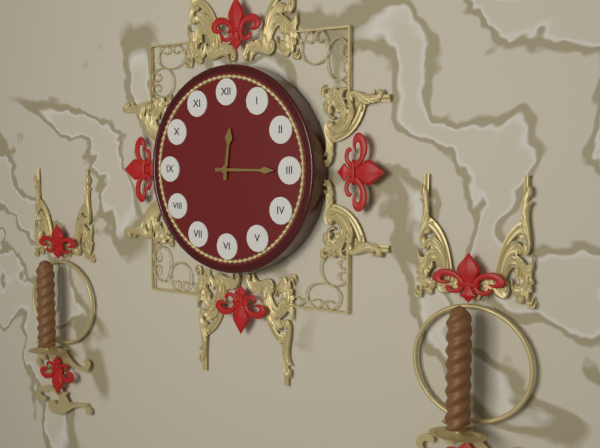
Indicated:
h=12 m=15
